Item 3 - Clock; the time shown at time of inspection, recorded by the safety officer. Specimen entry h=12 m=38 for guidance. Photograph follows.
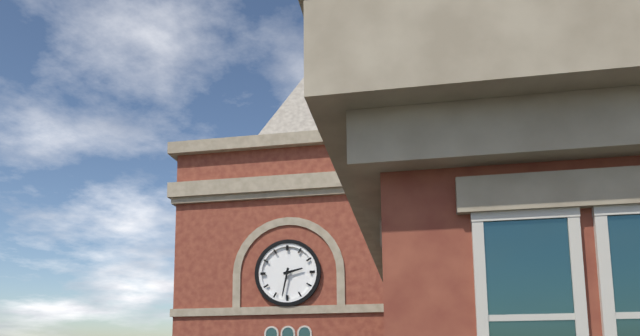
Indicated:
h=2 m=32
